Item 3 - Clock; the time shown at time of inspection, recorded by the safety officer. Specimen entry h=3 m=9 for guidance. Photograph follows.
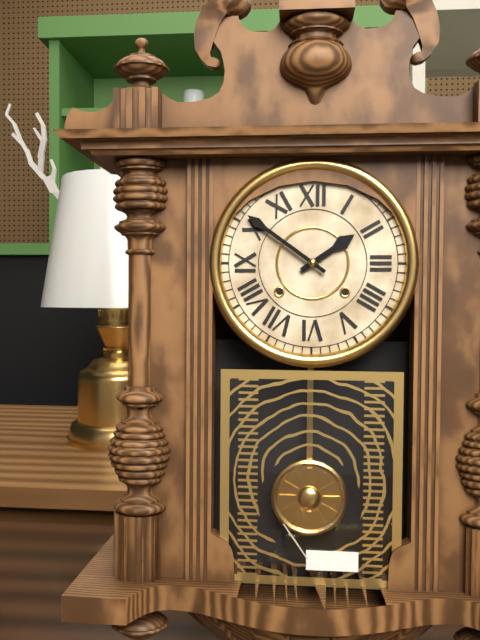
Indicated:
h=1 m=51
